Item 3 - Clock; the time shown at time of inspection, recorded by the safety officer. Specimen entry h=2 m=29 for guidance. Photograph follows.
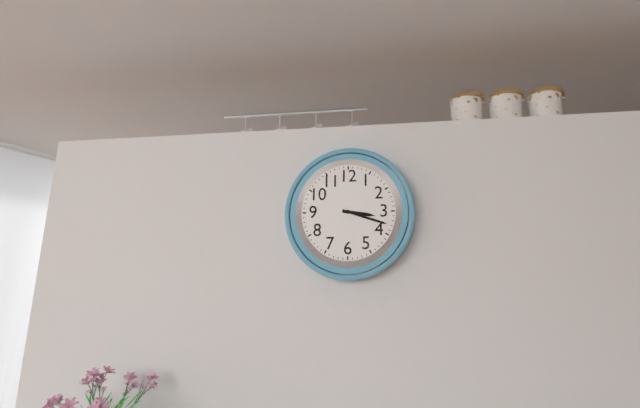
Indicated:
h=3 m=18
